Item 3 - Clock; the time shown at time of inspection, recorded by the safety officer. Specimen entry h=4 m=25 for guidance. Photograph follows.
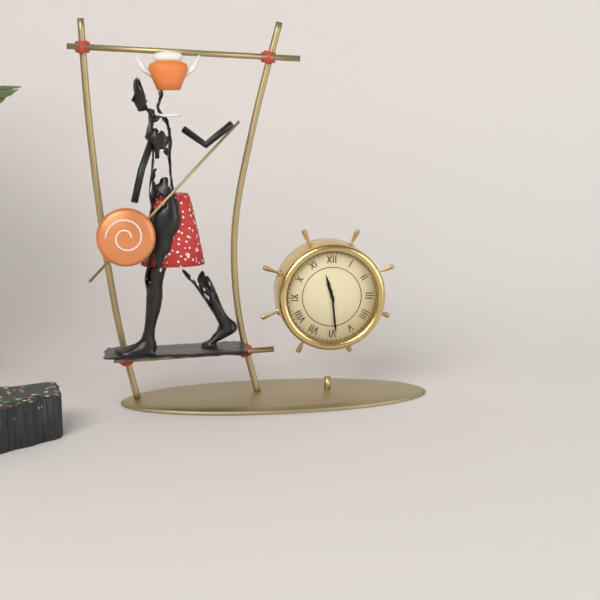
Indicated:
h=11 m=29
